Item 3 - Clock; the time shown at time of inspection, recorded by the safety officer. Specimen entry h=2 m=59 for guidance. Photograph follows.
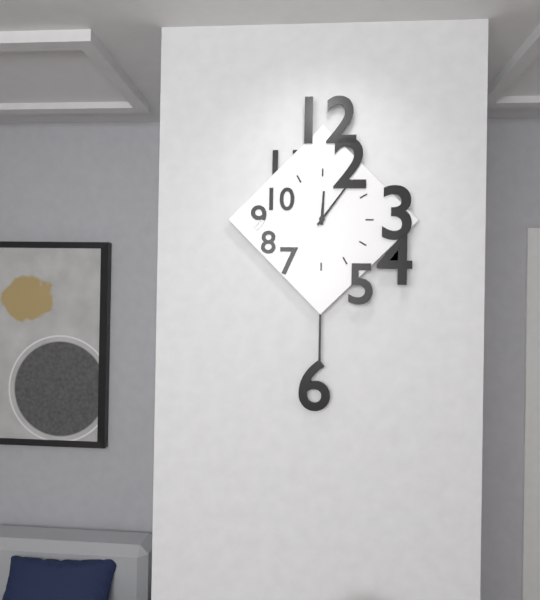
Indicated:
h=12 m=6
